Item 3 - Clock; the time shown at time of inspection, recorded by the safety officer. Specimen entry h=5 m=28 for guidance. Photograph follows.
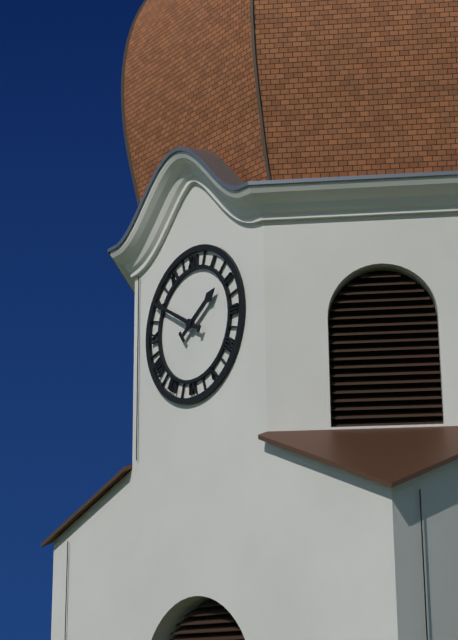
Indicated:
h=1 m=50
